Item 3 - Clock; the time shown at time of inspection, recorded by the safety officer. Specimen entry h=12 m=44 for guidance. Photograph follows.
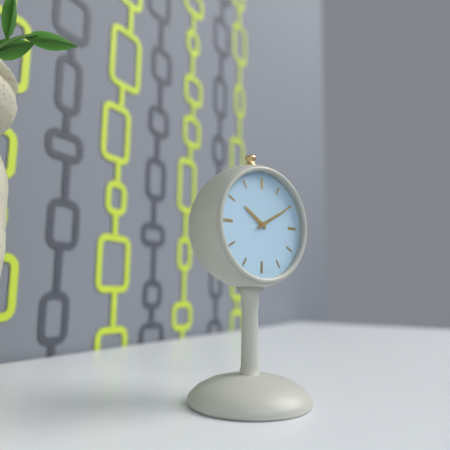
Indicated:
h=10 m=10
